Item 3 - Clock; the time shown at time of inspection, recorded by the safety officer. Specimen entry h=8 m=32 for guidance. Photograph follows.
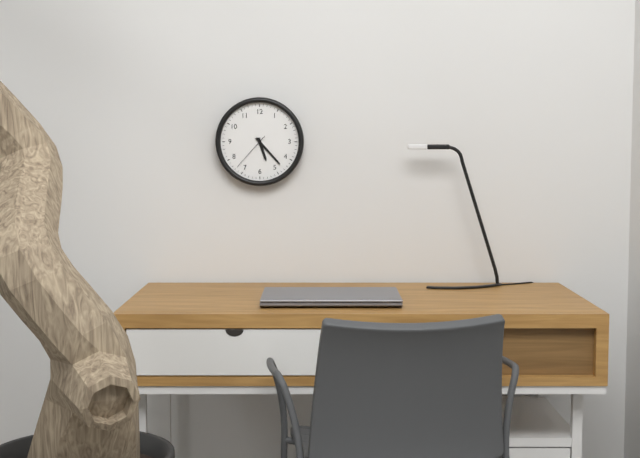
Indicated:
h=5 m=23
